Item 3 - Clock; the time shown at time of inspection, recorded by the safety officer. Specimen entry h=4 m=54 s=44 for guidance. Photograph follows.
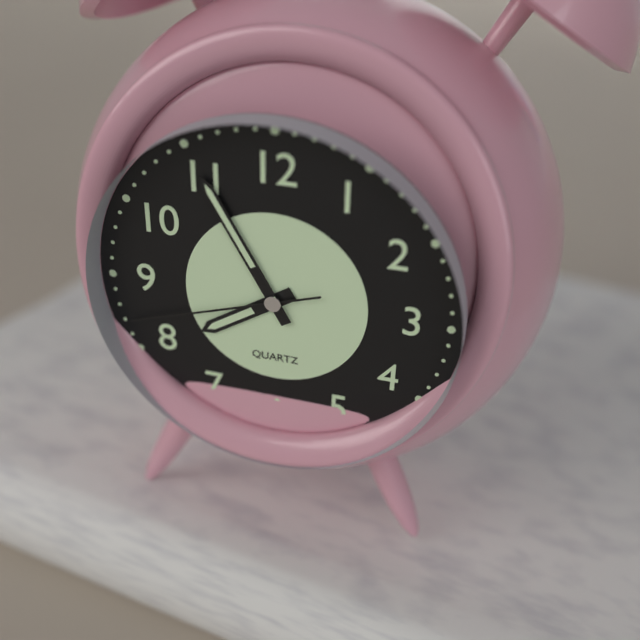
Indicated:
h=7 m=55 s=42
